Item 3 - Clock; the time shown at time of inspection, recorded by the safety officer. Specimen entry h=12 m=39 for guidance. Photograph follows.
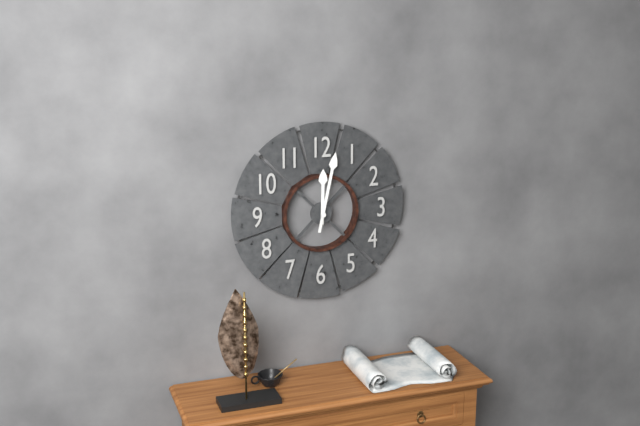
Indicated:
h=12 m=2
